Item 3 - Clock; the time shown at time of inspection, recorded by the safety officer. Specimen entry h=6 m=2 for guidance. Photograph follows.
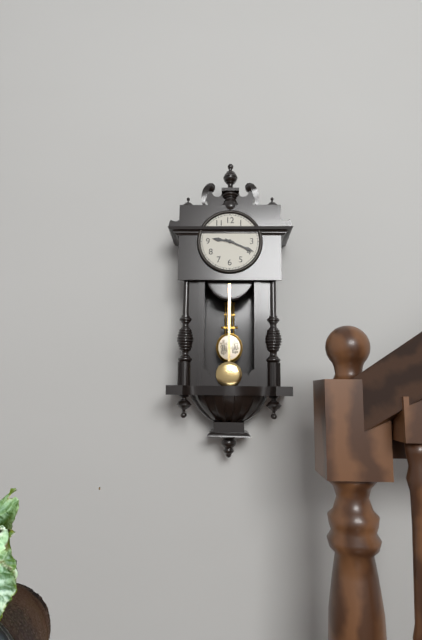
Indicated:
h=9 m=19
